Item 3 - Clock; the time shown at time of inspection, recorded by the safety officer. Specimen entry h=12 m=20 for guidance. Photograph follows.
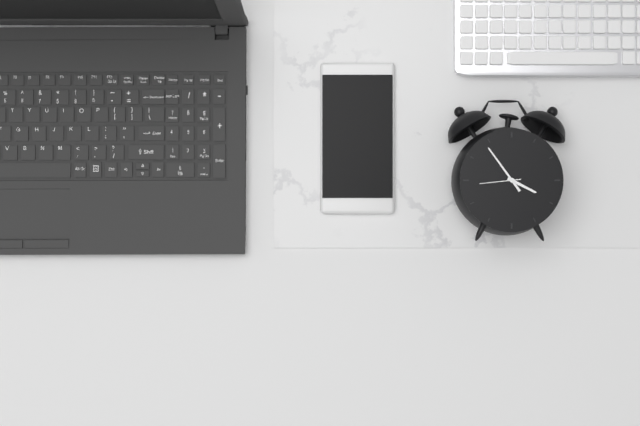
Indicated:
h=3 m=54
